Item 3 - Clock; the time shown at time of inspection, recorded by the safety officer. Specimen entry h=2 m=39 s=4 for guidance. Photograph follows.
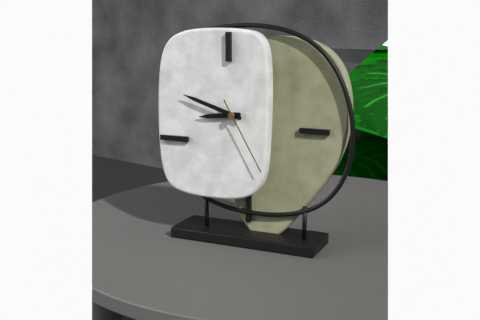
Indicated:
h=8 m=48 s=25
